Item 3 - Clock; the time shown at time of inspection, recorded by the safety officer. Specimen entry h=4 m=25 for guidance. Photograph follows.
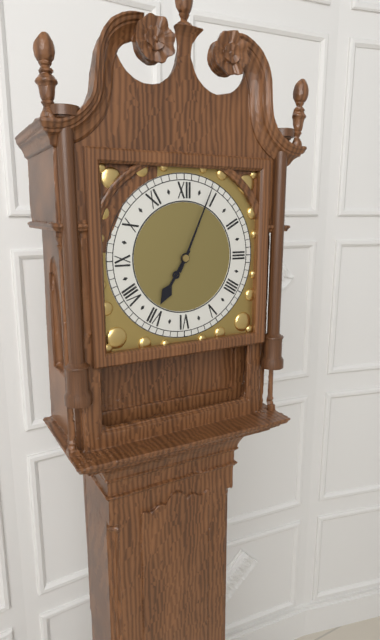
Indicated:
h=7 m=4
